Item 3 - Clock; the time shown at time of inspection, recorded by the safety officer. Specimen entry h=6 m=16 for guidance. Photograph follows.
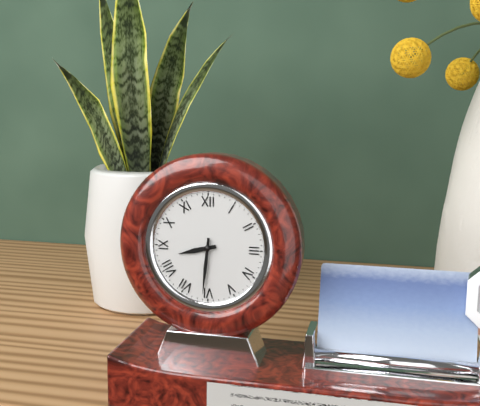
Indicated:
h=8 m=31
